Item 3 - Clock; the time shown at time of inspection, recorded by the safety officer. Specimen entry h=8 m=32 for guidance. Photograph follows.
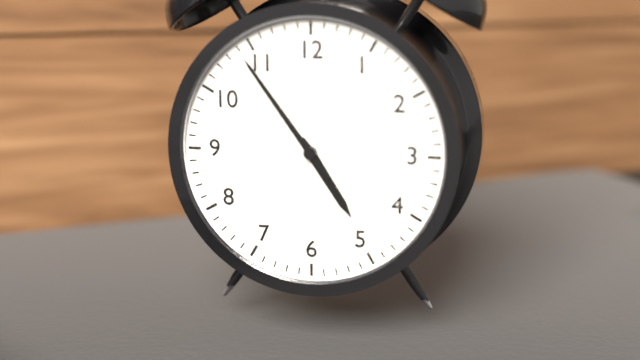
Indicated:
h=4 m=54
